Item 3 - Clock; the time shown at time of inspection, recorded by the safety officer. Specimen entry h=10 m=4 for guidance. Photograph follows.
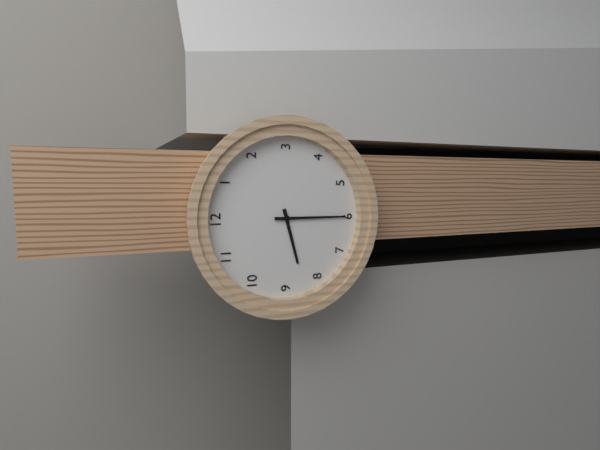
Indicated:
h=8 m=30
